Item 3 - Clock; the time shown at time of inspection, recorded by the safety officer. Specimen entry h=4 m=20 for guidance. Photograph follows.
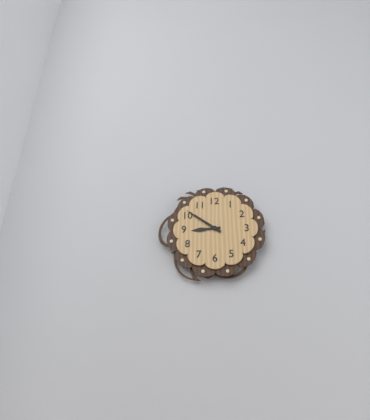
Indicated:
h=8 m=51
